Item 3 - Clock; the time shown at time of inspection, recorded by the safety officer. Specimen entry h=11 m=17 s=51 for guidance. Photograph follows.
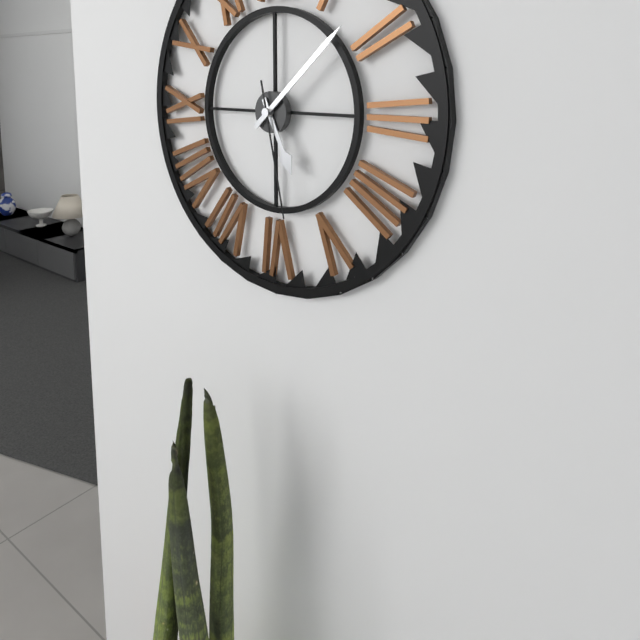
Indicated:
h=5 m=8 s=28
